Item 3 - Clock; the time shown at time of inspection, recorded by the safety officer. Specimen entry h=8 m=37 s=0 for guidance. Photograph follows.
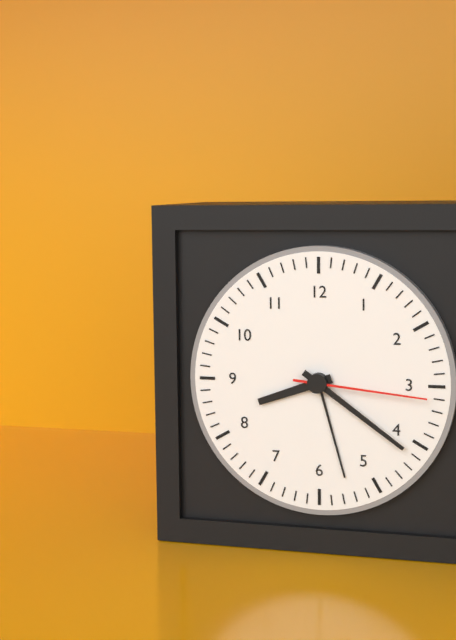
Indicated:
h=8 m=21 s=16
